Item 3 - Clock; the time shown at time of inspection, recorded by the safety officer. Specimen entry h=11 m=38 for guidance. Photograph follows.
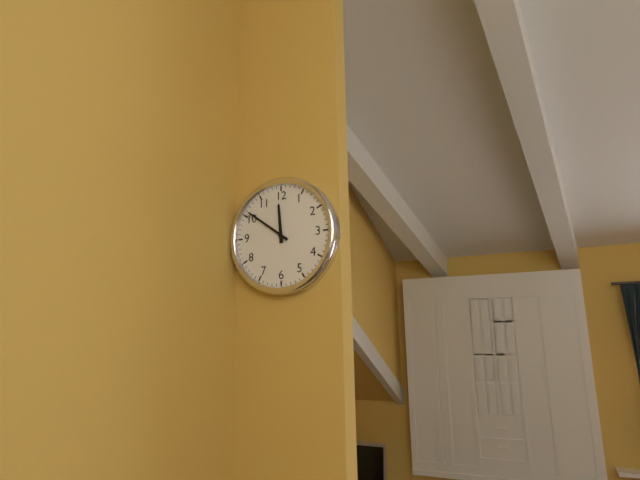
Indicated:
h=11 m=51
